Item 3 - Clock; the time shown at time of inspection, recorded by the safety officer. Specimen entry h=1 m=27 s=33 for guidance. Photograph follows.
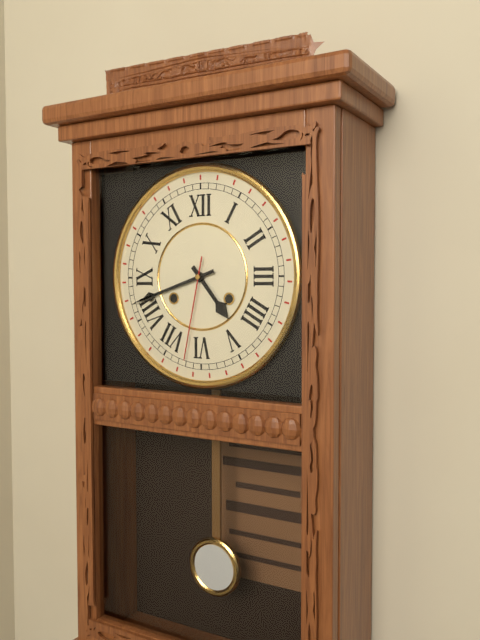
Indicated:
h=4 m=42 s=32
